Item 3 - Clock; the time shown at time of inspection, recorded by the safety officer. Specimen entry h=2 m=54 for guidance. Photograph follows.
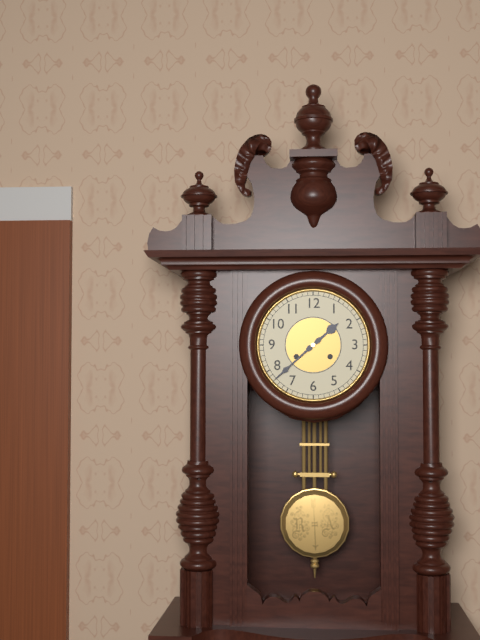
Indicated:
h=1 m=38
